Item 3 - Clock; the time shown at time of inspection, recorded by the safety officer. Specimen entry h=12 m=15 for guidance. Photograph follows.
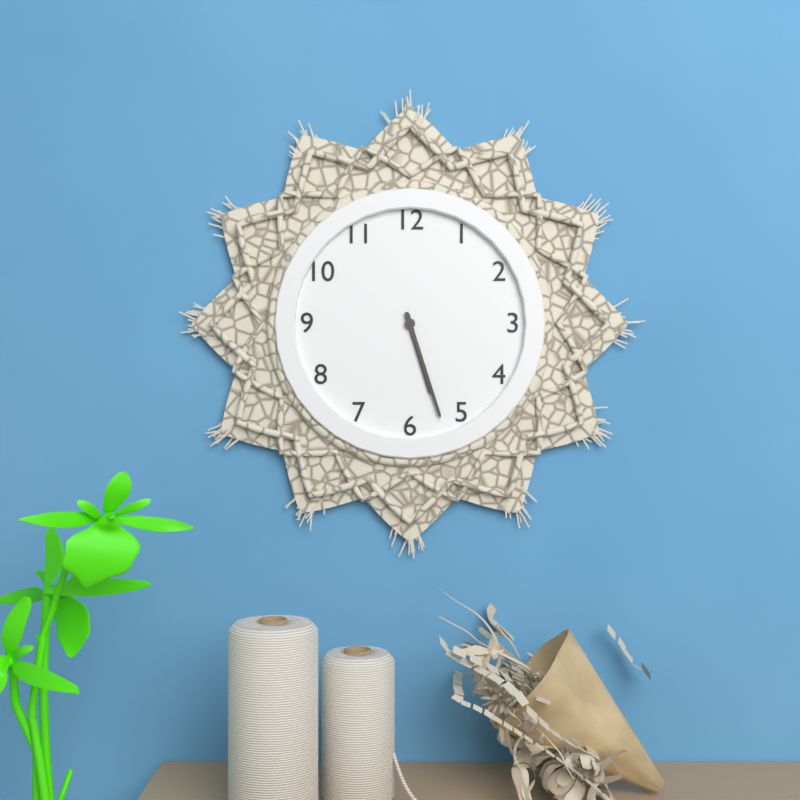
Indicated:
h=5 m=27
